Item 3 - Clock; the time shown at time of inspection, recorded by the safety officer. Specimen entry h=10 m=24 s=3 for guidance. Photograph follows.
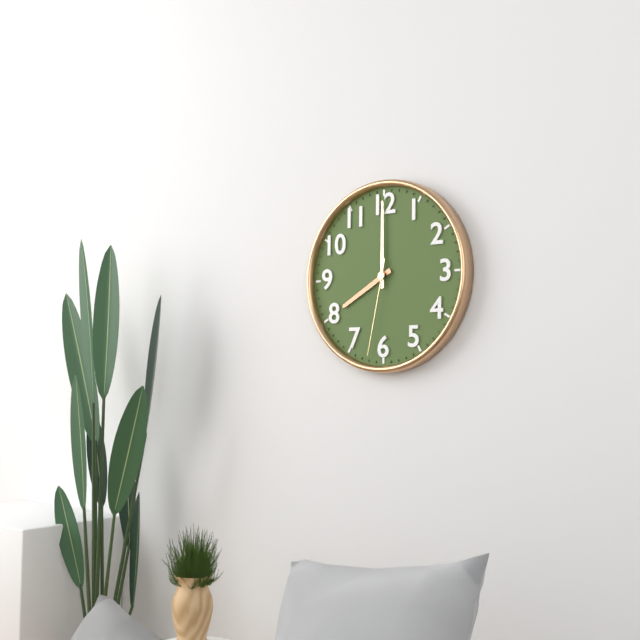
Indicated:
h=8 m=0 s=32
